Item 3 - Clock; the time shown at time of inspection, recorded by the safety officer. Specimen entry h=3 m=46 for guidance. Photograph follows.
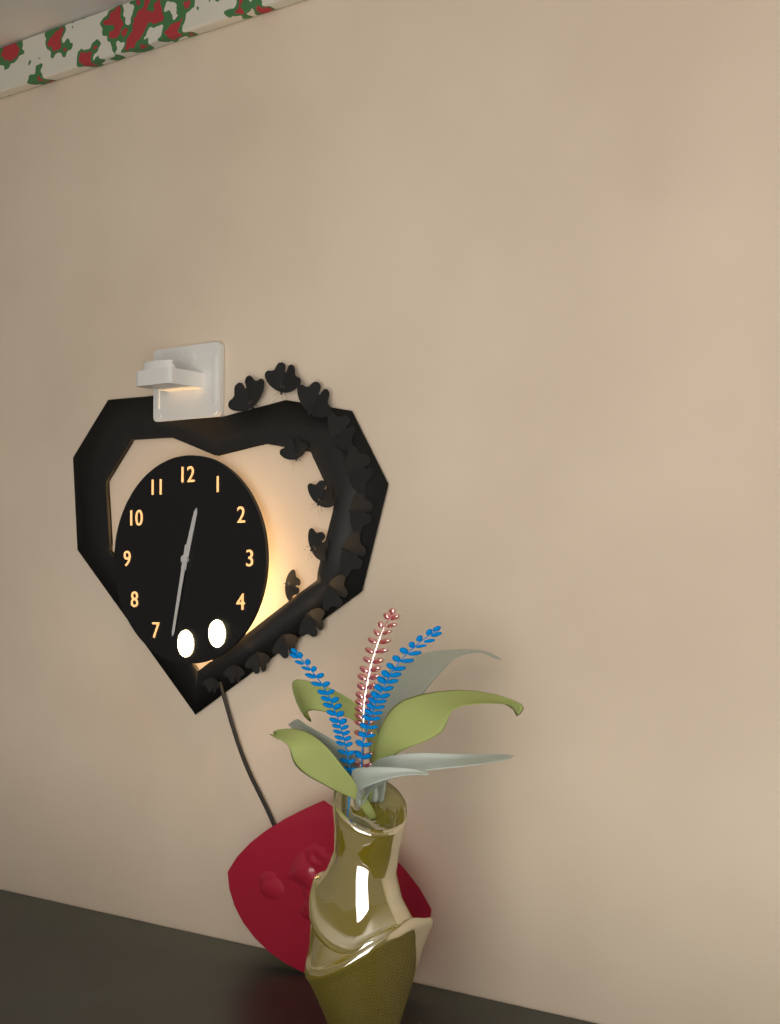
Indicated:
h=12 m=32
